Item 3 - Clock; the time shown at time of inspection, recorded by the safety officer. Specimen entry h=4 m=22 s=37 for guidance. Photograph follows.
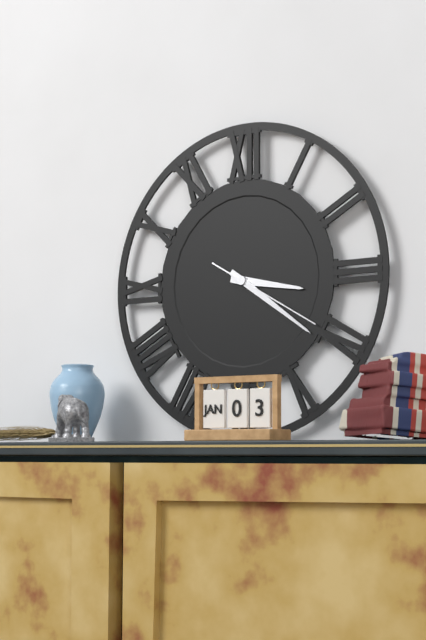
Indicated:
h=3 m=21 s=20
